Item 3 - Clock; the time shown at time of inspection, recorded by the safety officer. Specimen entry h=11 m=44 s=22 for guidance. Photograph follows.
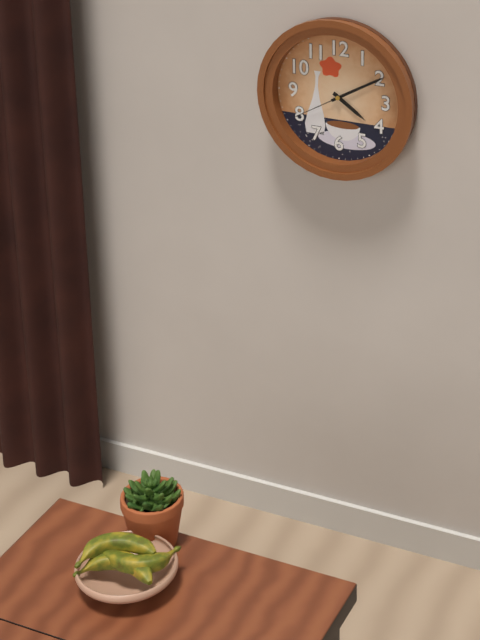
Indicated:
h=4 m=10 s=40
